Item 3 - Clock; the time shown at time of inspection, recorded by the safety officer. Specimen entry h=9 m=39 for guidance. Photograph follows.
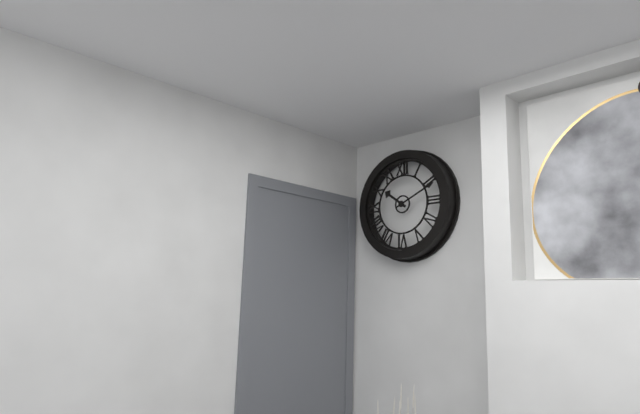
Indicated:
h=10 m=11
